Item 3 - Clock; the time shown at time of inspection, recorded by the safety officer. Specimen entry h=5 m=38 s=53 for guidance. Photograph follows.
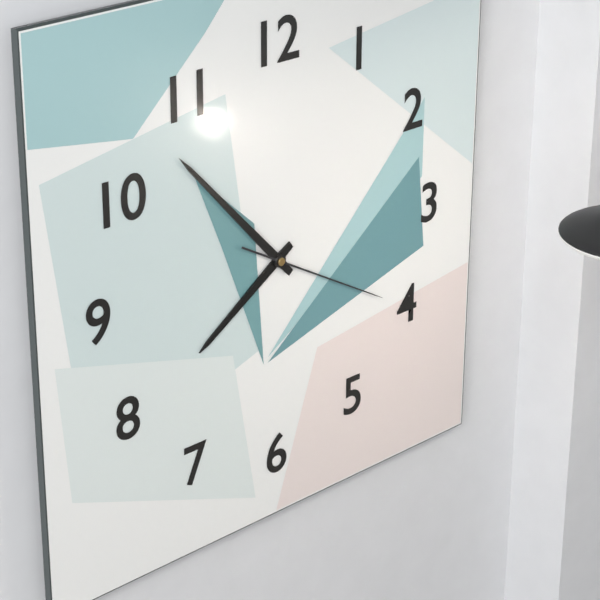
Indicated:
h=7 m=53 s=20
